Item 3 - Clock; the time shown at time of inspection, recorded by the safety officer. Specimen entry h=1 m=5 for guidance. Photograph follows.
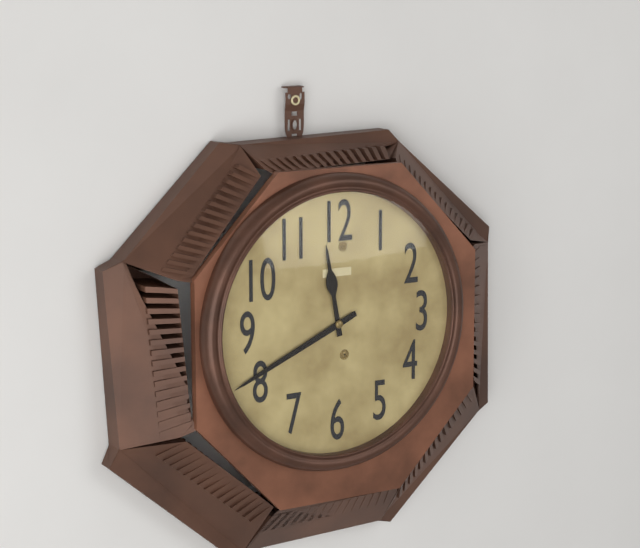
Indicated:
h=11 m=41
